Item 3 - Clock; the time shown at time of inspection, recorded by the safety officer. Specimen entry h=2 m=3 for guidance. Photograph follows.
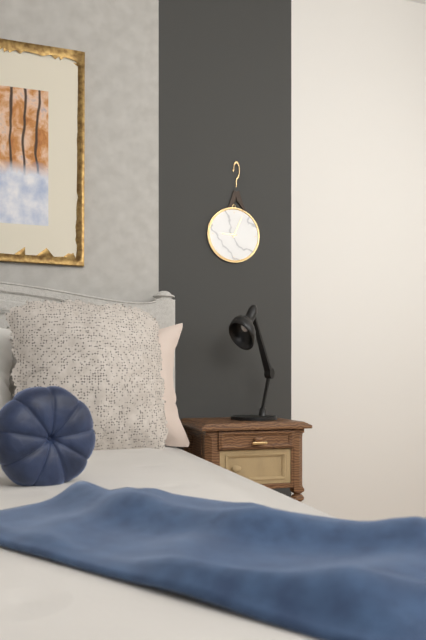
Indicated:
h=9 m=4
